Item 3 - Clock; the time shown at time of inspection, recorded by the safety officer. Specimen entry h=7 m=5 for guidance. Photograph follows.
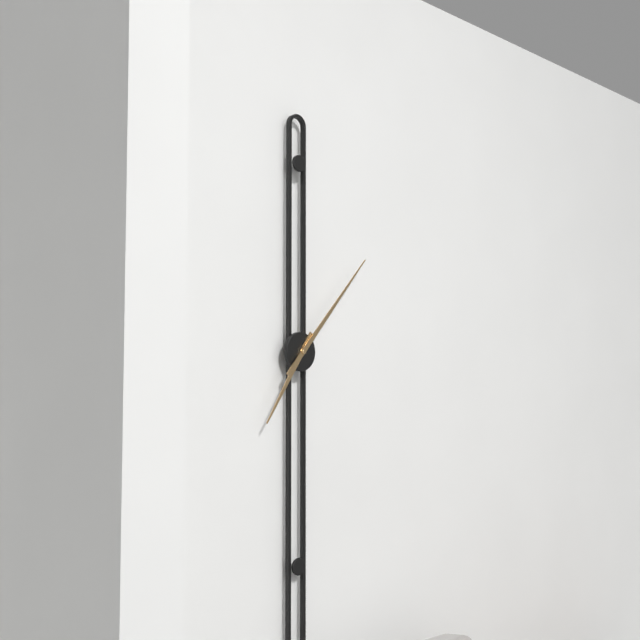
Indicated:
h=7 m=7
